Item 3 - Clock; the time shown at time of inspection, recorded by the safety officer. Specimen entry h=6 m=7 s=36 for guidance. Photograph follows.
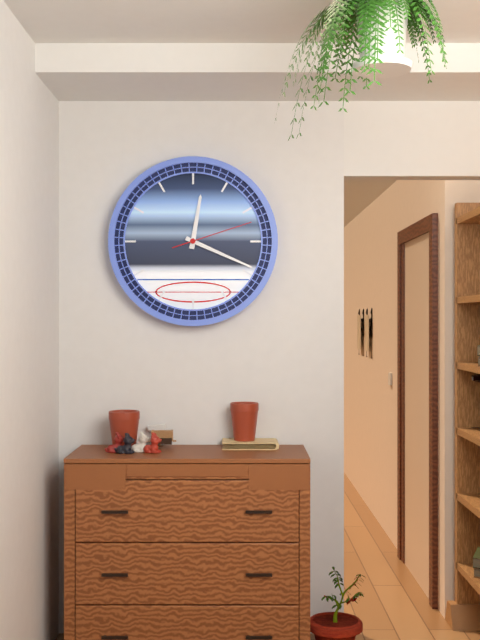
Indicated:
h=12 m=19 s=12
